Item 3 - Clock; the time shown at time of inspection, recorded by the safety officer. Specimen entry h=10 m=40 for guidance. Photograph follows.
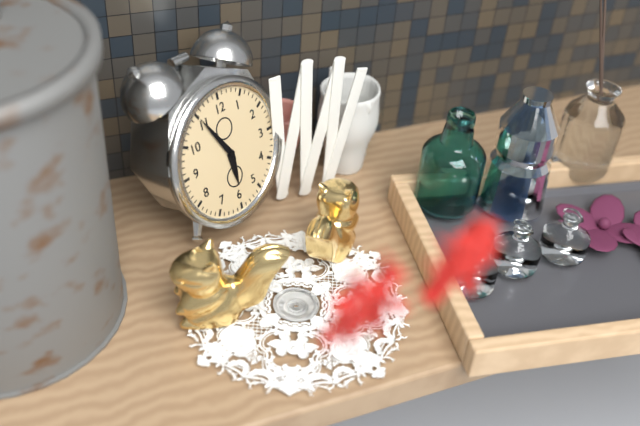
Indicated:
h=5 m=55
